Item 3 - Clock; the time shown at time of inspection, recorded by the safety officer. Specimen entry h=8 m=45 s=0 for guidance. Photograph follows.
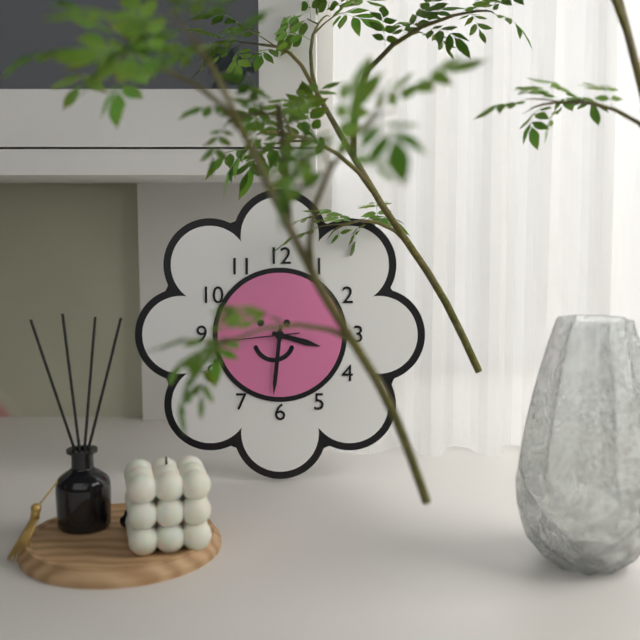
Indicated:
h=3 m=31 s=44
